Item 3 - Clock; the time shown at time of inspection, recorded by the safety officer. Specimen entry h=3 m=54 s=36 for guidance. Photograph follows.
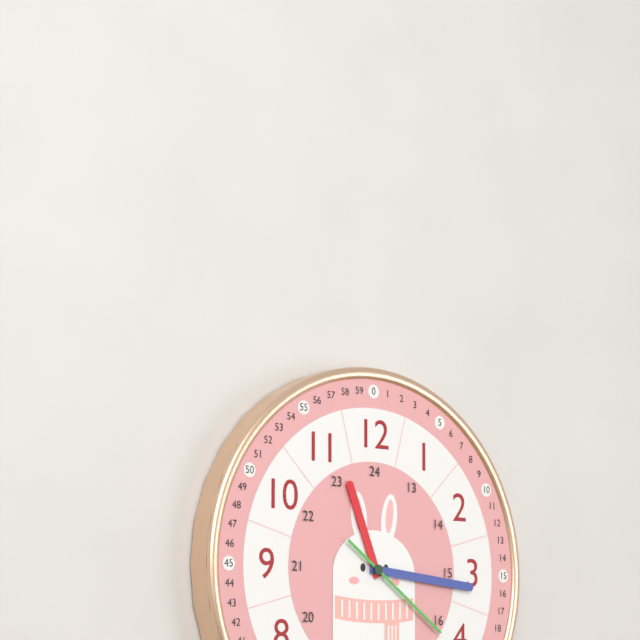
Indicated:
h=11 m=16 s=21
